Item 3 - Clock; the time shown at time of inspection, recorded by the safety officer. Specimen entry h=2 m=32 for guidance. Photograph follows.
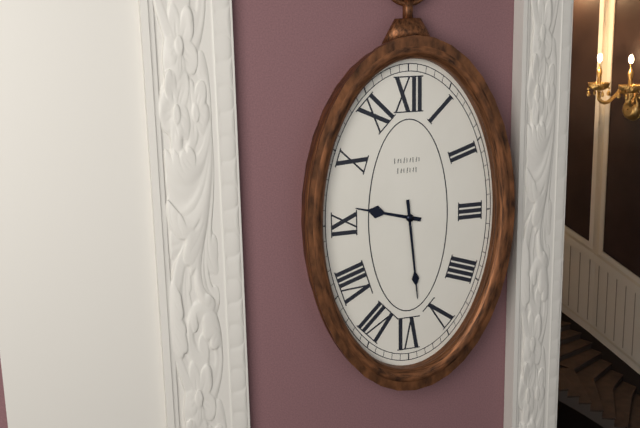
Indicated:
h=9 m=29
